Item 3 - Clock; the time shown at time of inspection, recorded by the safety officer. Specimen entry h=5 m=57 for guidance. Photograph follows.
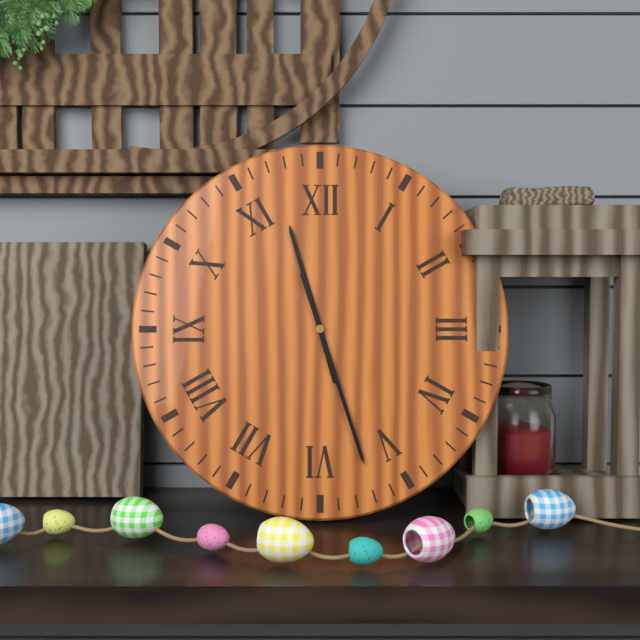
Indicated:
h=11 m=27
